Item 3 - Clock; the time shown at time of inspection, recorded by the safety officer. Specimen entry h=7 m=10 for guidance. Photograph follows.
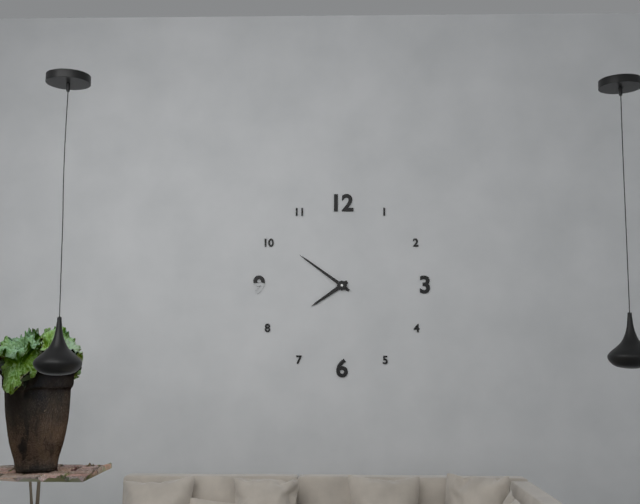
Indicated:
h=7 m=51
